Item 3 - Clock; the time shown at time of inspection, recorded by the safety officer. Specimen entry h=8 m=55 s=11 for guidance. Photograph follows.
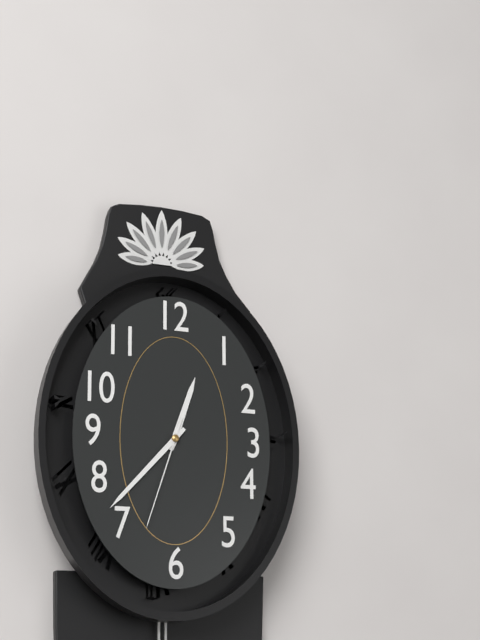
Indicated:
h=12 m=37 s=33
